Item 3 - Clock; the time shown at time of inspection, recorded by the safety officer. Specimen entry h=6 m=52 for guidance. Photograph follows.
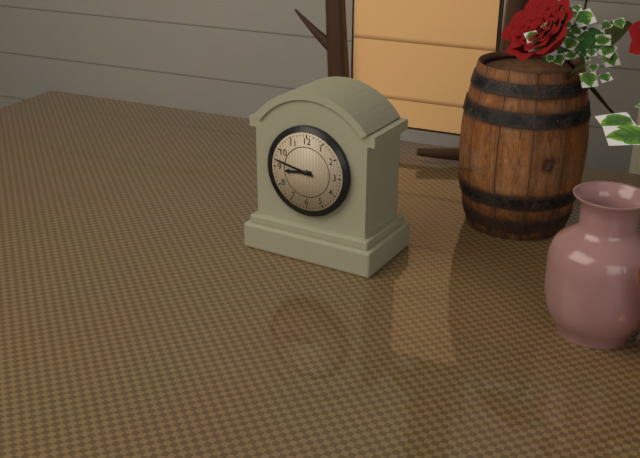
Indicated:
h=8 m=47
